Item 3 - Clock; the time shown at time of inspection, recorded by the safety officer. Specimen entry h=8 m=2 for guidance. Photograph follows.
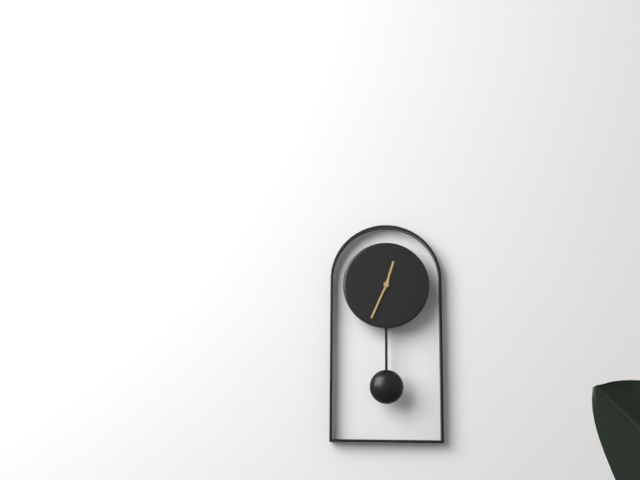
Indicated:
h=12 m=34
